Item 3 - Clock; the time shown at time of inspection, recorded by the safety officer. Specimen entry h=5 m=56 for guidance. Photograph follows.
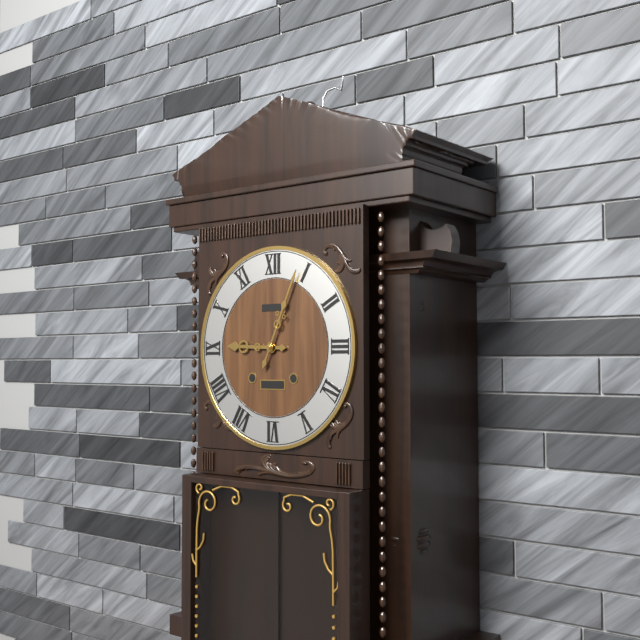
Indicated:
h=9 m=4
